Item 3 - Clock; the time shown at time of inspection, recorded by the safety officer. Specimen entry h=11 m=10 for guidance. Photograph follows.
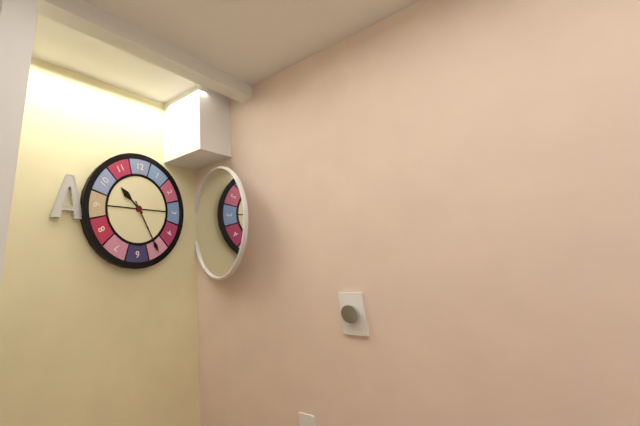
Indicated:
h=10 m=25
